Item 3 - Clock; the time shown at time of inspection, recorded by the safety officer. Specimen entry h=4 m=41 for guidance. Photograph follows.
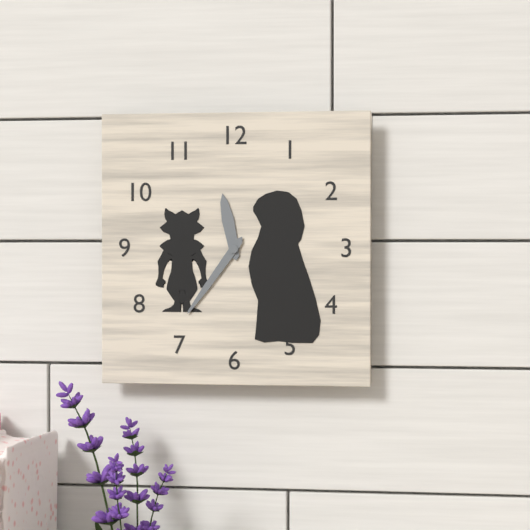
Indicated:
h=11 m=36
